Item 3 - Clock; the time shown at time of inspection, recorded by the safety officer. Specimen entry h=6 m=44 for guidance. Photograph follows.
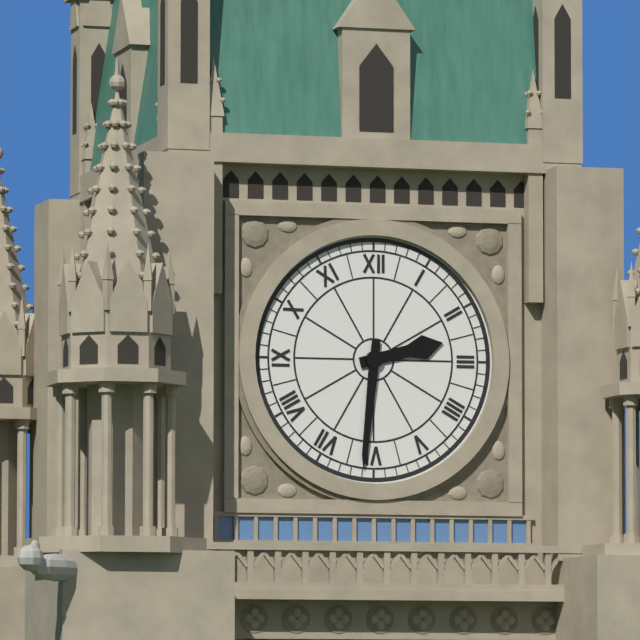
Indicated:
h=2 m=31
